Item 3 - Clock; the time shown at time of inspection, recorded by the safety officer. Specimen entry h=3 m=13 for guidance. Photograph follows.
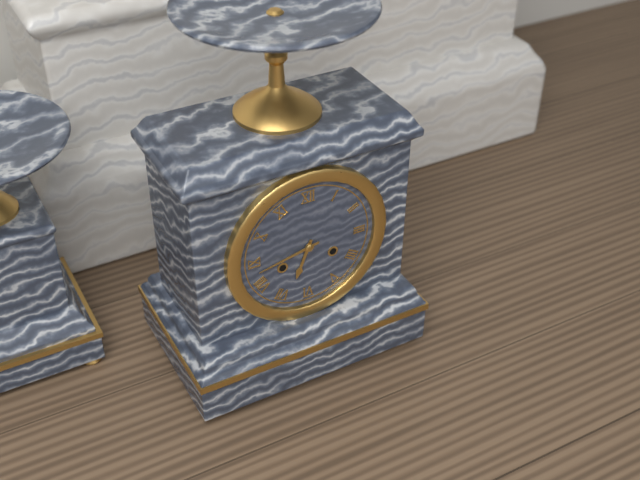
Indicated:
h=6 m=43
